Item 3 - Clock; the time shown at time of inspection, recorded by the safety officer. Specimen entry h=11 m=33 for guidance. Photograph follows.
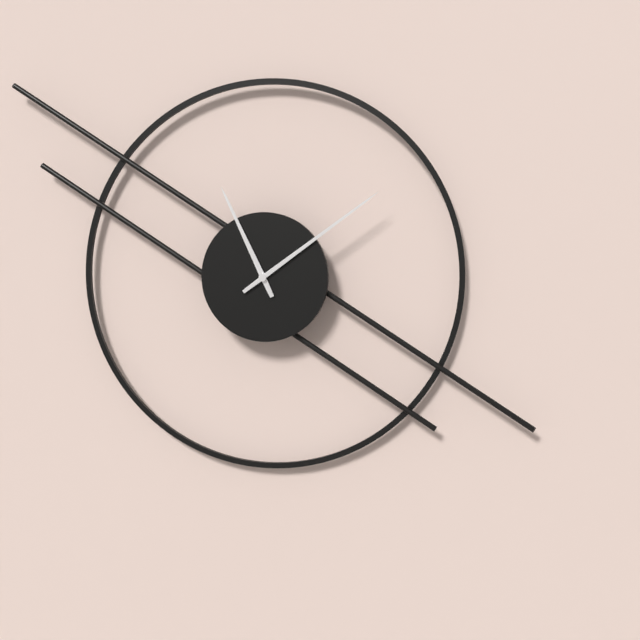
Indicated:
h=11 m=9
